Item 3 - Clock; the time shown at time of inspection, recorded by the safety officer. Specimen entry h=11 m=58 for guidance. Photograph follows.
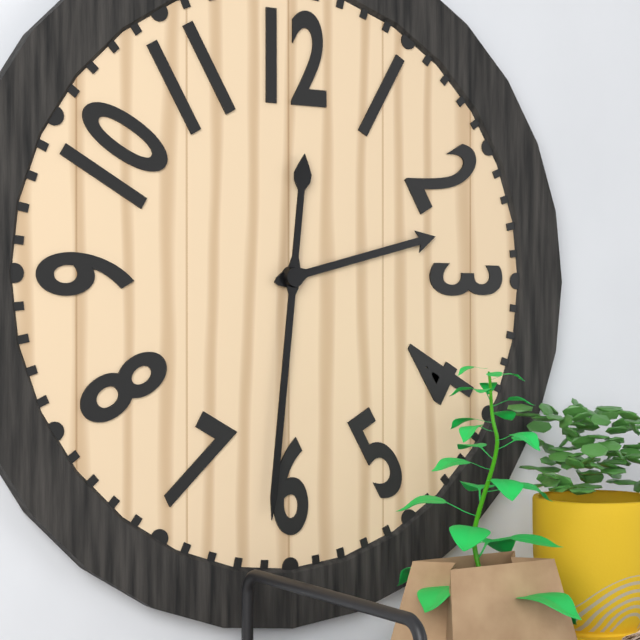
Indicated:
h=2 m=31
